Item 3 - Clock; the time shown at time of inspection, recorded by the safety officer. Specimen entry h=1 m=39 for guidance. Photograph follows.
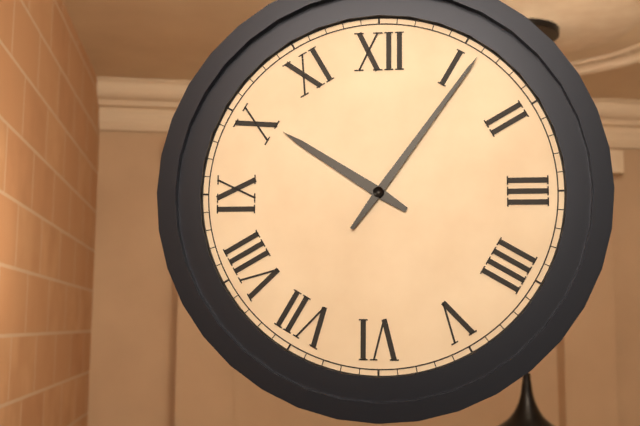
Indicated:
h=10 m=6
